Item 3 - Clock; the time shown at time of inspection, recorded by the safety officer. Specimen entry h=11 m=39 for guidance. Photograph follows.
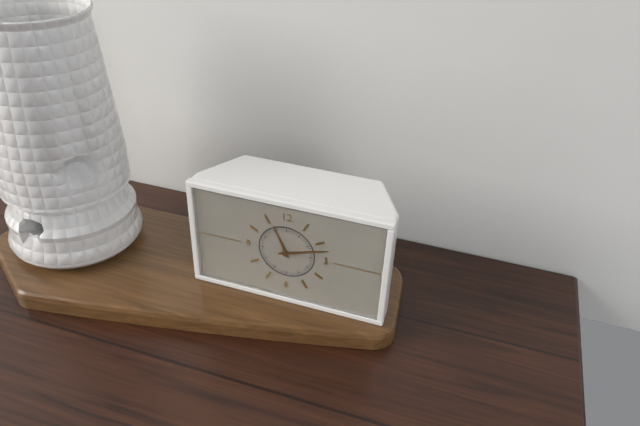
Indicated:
h=11 m=12
